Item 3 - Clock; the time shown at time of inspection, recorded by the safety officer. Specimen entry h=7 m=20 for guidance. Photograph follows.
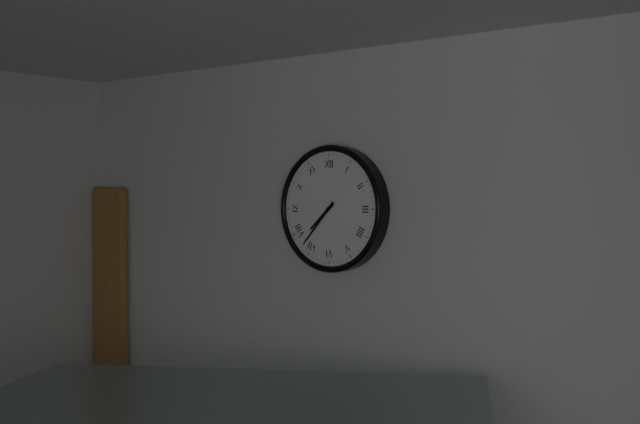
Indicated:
h=7 m=37
